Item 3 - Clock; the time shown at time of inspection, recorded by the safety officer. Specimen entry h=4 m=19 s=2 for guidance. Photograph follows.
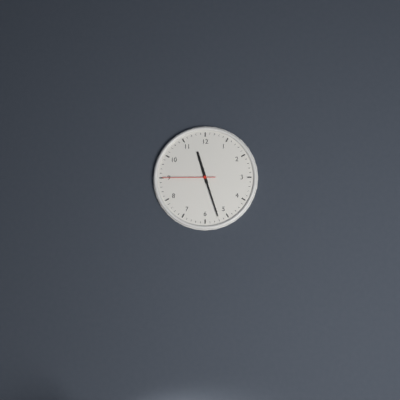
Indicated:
h=11 m=27 s=45
